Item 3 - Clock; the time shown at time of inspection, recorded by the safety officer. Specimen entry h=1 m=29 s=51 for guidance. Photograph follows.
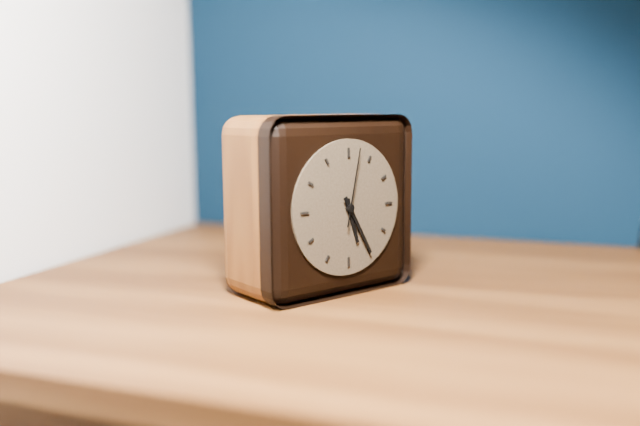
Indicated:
h=5 m=25 s=2
